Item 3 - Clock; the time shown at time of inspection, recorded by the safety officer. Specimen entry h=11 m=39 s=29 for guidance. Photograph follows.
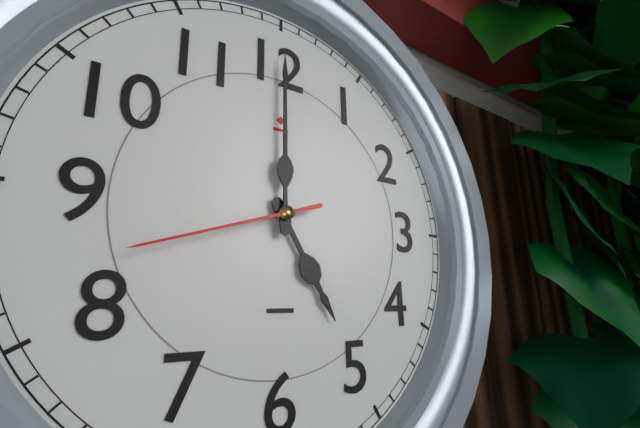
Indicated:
h=5 m=0 s=42
